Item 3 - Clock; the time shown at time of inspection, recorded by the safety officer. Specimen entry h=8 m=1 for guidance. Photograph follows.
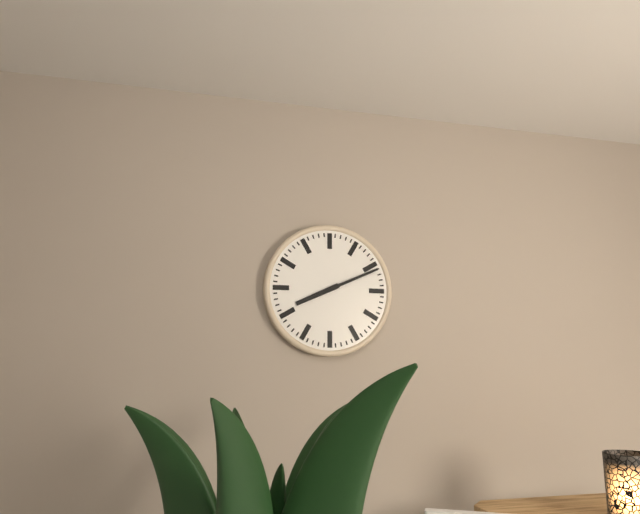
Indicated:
h=8 m=11
